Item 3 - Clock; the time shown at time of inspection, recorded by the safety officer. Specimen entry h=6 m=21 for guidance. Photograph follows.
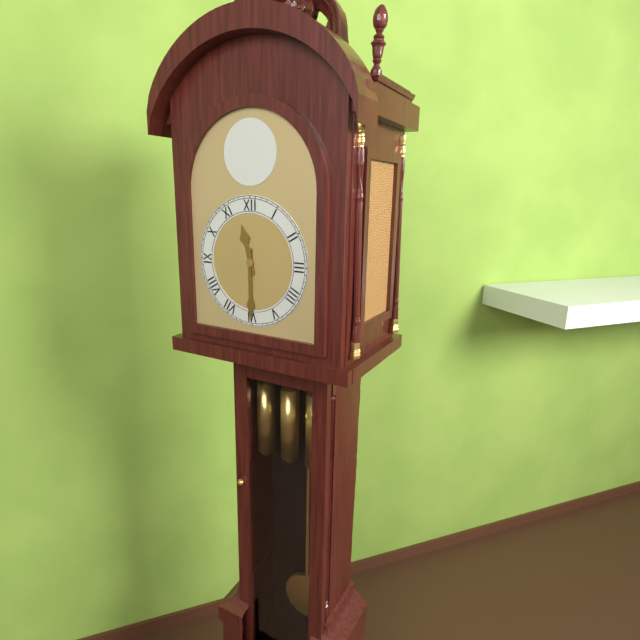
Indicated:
h=11 m=30
